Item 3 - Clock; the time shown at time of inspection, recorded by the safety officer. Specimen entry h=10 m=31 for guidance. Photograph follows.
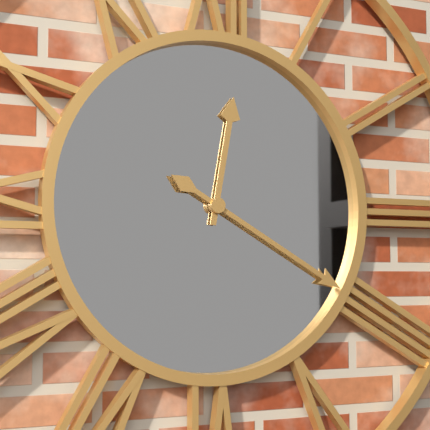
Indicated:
h=12 m=20
